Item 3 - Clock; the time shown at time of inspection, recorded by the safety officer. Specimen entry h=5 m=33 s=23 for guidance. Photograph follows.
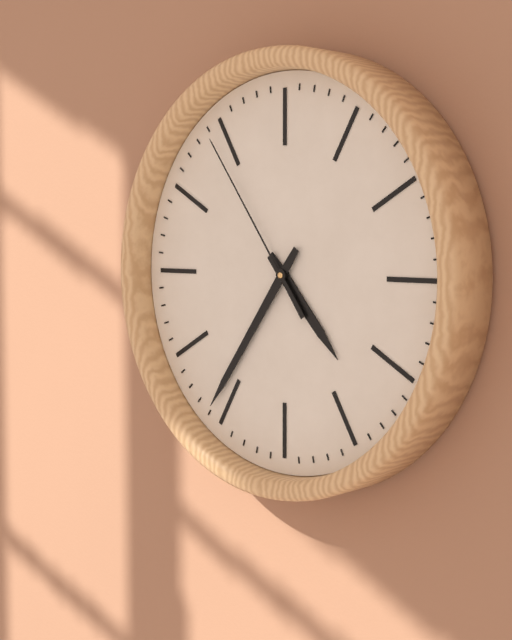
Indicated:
h=4 m=36 s=54
